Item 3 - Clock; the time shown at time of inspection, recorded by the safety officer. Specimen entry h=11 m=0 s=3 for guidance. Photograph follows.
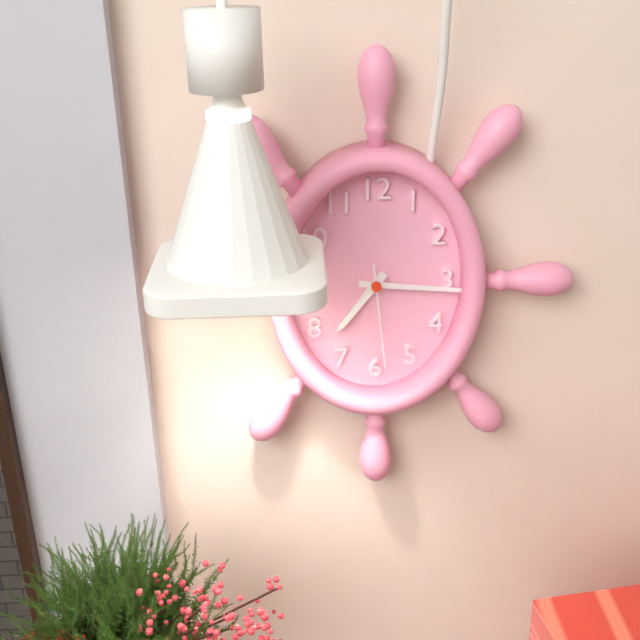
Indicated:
h=7 m=16 s=29
